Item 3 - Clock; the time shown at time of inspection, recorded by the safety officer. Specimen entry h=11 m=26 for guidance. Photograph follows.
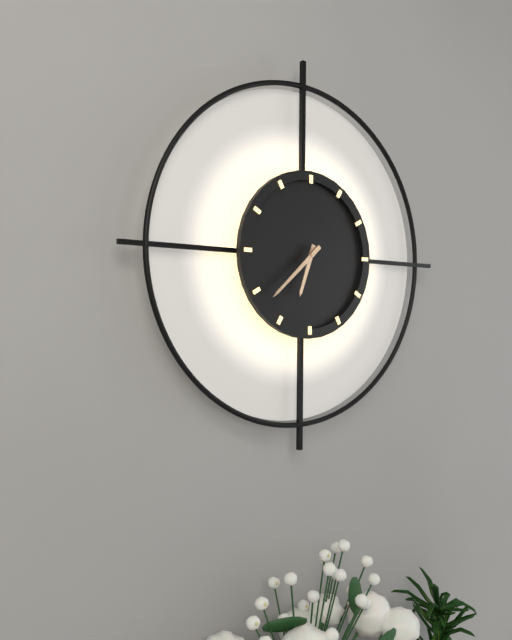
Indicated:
h=6 m=38
